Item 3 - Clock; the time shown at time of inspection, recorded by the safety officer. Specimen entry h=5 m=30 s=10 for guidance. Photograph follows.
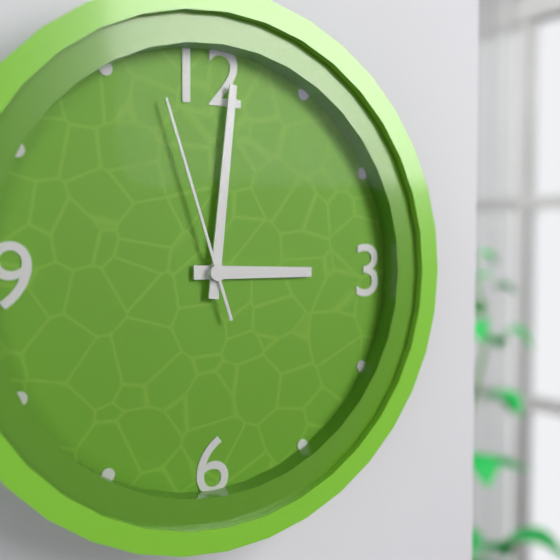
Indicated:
h=3 m=1 s=57
